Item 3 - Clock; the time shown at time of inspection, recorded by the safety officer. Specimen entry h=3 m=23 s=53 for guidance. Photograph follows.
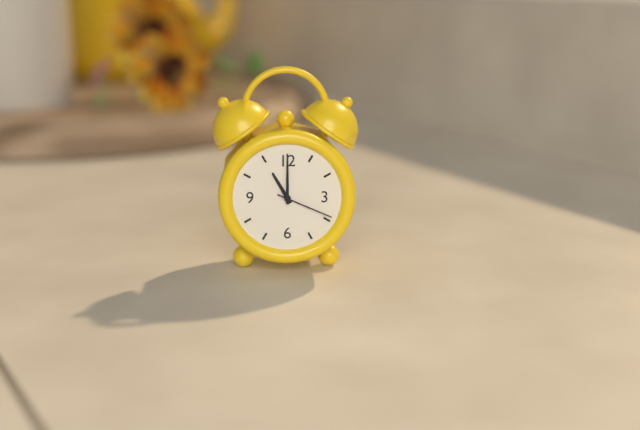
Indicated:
h=11 m=0 s=19
